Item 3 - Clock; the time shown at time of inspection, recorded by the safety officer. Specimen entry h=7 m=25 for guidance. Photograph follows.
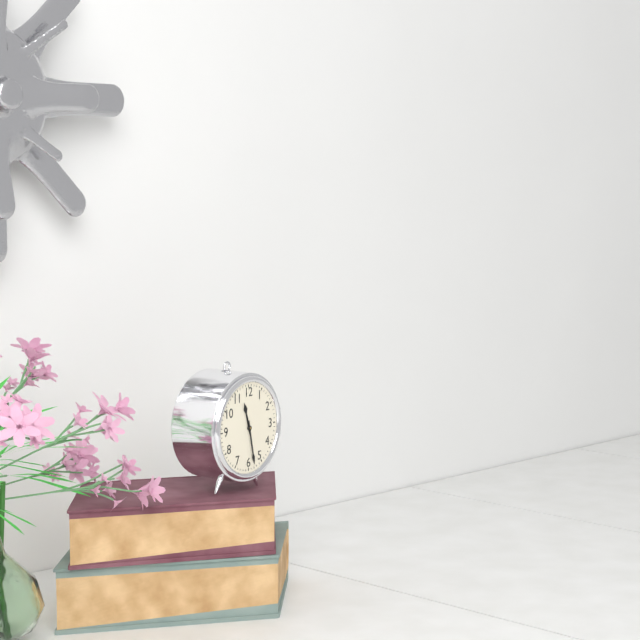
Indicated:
h=11 m=28
